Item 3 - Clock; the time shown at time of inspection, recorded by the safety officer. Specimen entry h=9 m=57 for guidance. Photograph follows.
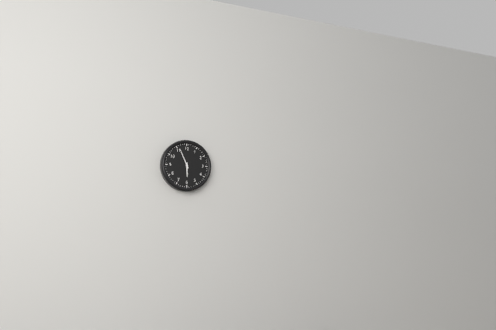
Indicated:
h=5 m=56
